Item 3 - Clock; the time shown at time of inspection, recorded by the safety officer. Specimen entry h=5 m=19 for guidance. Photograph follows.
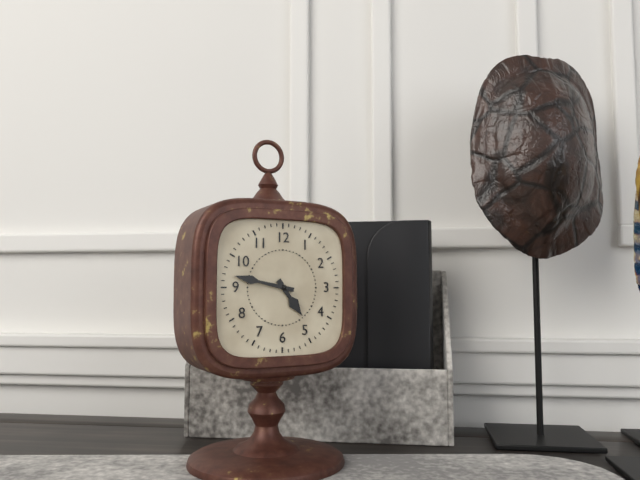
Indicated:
h=4 m=47
